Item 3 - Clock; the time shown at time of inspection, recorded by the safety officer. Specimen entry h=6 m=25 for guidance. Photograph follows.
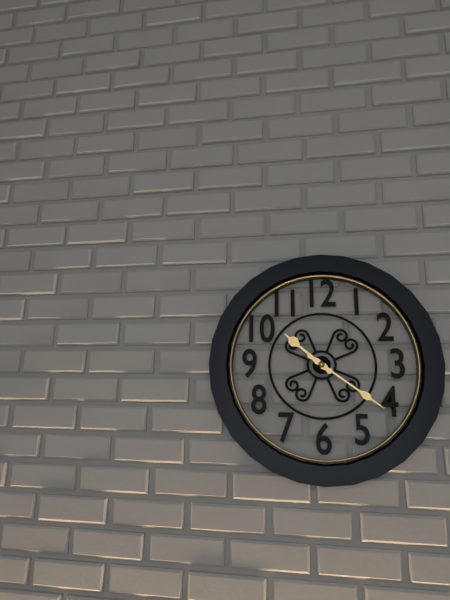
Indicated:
h=10 m=21
